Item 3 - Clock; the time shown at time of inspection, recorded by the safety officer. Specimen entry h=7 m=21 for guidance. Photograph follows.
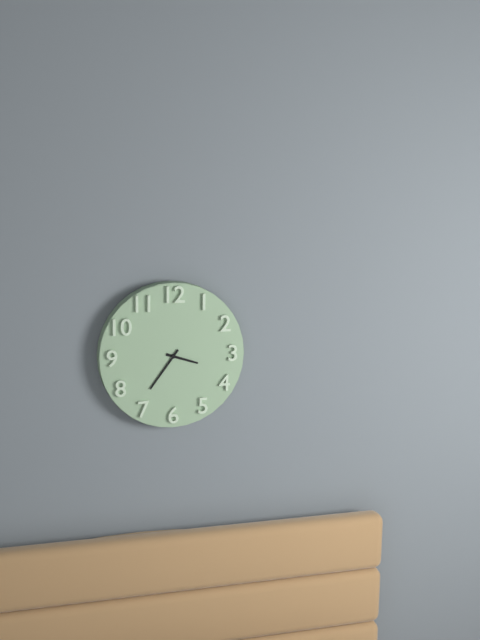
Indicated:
h=3 m=36
